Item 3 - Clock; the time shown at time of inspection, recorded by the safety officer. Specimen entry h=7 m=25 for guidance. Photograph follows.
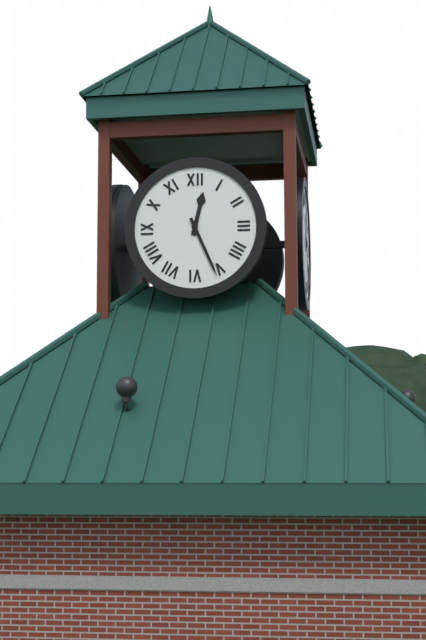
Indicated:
h=12 m=26
